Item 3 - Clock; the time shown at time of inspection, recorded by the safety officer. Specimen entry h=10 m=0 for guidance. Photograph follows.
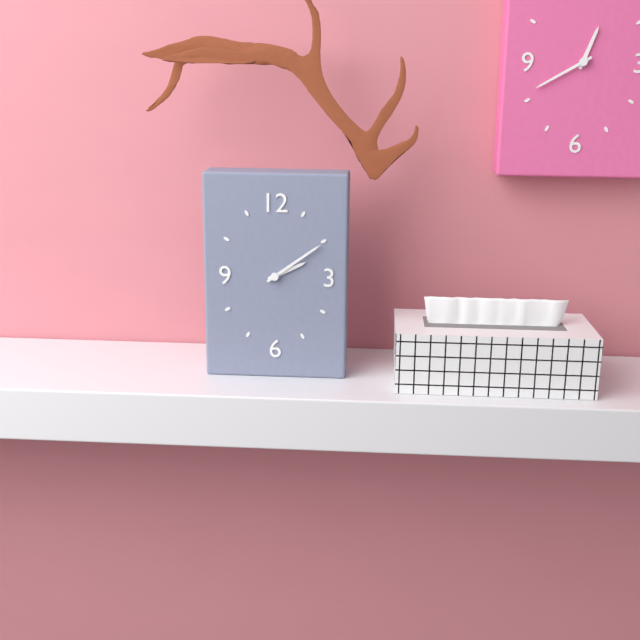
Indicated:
h=2 m=9
